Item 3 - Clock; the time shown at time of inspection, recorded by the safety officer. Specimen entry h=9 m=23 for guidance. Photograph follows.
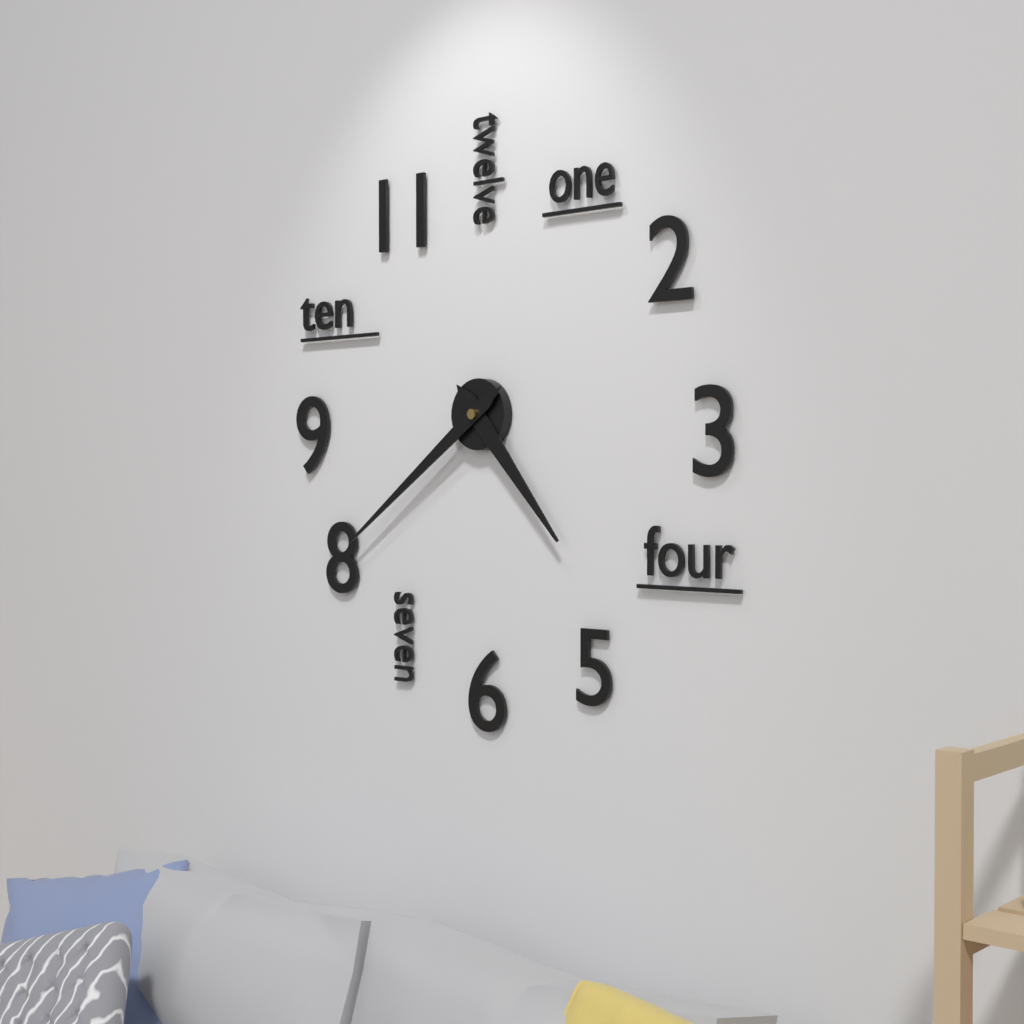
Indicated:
h=4 m=39
